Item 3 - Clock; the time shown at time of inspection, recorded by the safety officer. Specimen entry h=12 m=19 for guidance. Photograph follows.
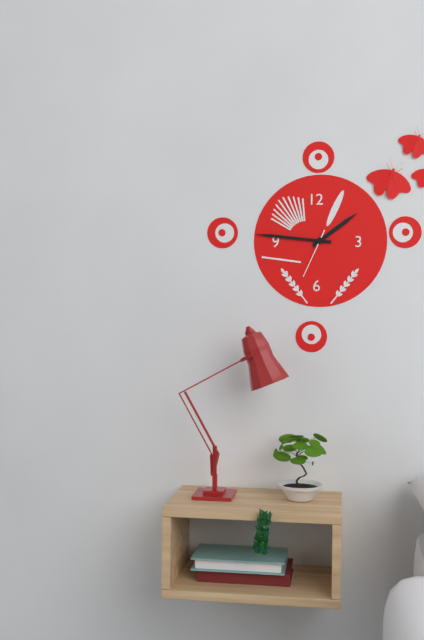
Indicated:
h=1 m=46
